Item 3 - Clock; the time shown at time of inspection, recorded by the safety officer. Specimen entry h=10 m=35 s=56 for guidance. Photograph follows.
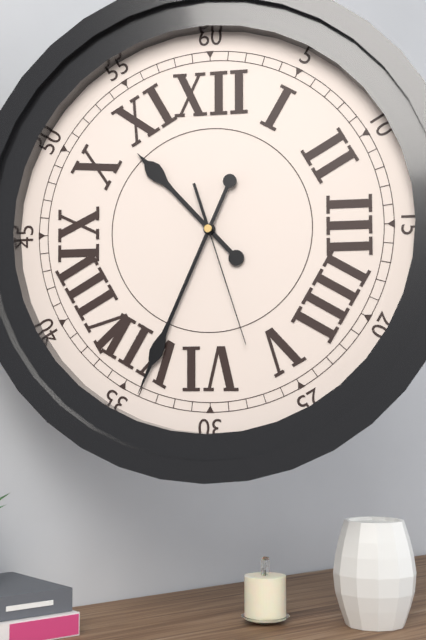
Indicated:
h=10 m=34 s=27
